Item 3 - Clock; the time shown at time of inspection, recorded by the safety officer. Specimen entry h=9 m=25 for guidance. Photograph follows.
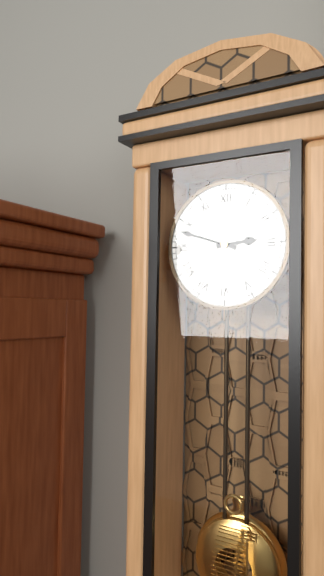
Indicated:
h=2 m=48
